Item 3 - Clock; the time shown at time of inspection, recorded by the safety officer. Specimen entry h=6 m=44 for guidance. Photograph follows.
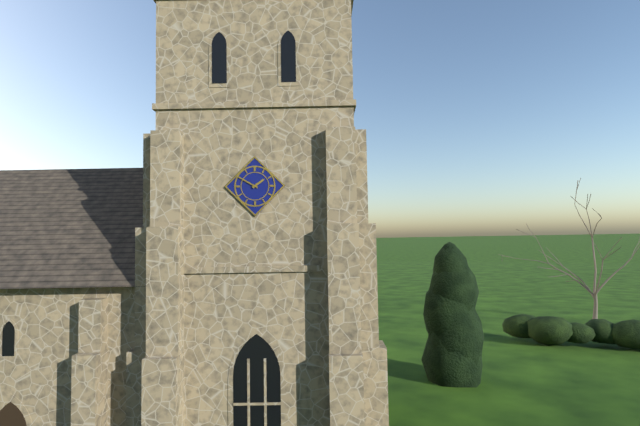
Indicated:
h=1 m=50
